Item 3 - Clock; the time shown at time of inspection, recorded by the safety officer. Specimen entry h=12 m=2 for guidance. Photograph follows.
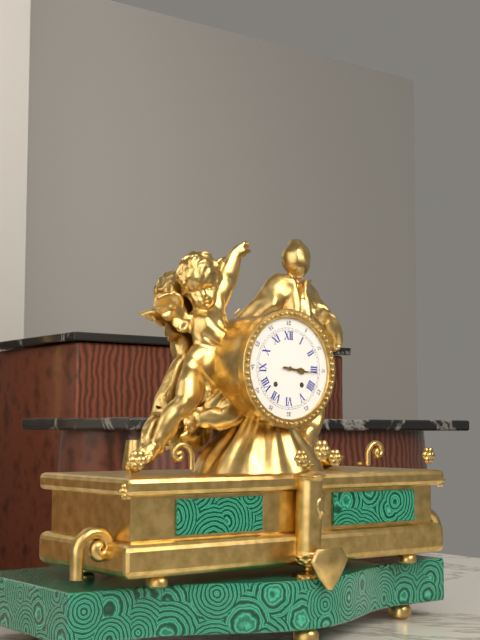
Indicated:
h=3 m=16
